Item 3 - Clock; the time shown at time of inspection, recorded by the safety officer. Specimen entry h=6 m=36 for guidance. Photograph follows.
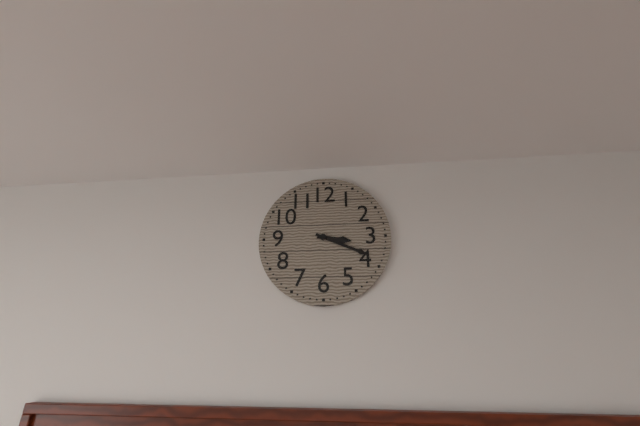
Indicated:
h=3 m=19
